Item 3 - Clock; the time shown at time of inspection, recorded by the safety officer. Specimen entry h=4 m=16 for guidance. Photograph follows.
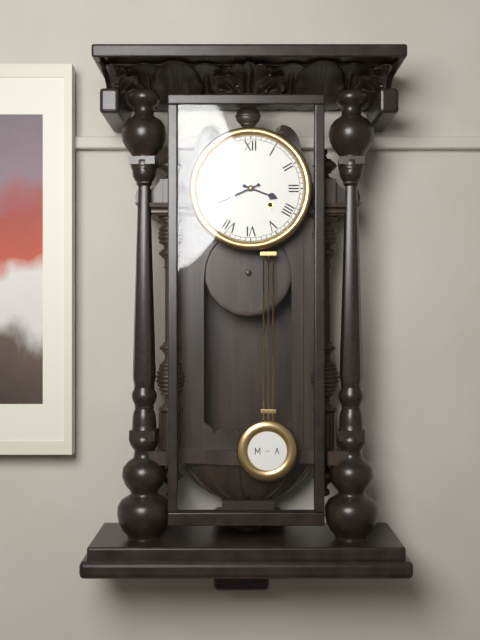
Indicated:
h=3 m=41
